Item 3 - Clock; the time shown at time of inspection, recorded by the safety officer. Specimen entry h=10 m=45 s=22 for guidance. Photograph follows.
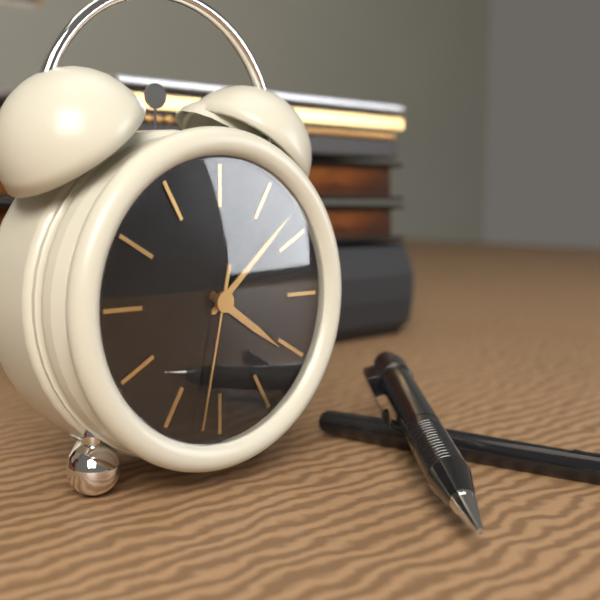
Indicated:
h=4 m=8 s=32
